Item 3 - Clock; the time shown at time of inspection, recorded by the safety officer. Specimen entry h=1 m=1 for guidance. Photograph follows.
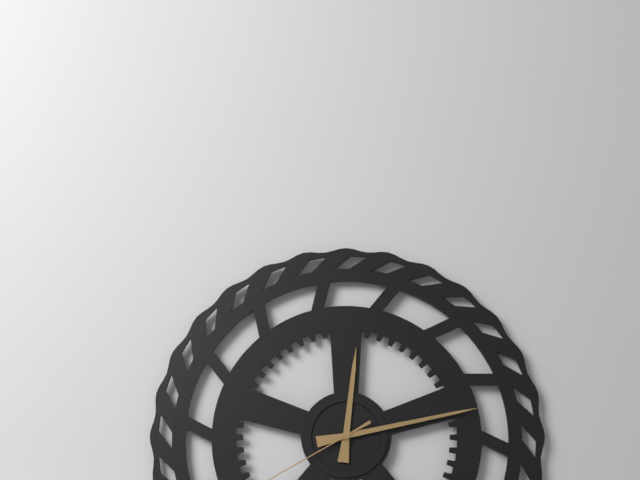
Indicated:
h=12 m=13
